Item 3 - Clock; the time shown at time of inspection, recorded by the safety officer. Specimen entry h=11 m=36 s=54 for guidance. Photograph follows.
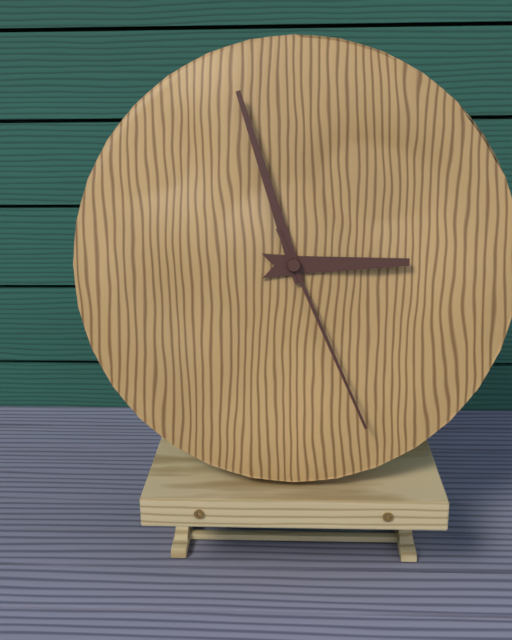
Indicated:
h=2 m=57 s=26
